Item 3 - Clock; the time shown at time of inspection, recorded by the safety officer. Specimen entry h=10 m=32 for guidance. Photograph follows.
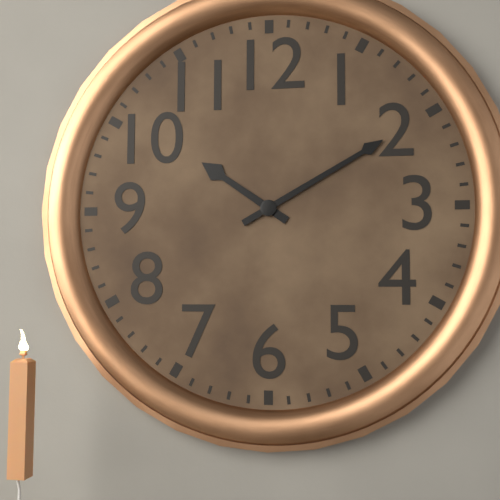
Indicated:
h=10 m=10
